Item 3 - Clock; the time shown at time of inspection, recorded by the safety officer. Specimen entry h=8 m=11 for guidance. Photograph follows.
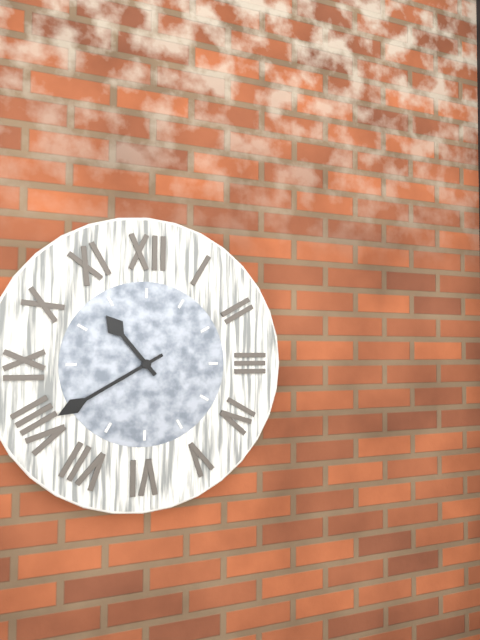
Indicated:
h=10 m=40
